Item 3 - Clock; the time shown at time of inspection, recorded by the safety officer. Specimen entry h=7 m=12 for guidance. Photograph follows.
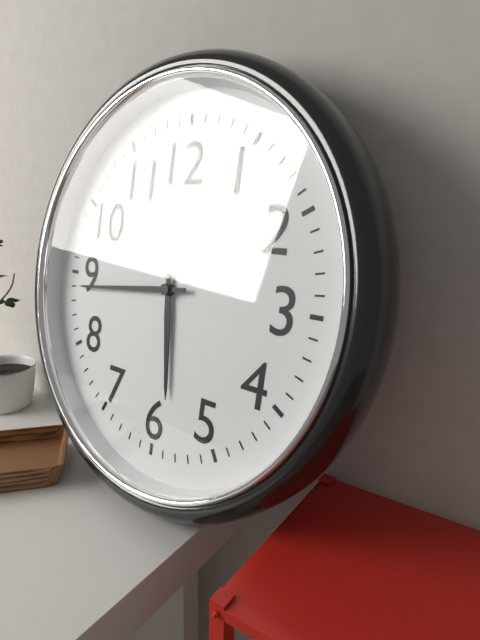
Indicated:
h=5 m=44
